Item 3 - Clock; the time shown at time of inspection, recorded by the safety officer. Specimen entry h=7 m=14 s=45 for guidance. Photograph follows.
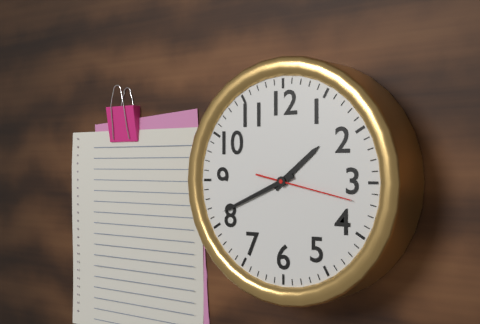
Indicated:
h=1 m=41 s=17
